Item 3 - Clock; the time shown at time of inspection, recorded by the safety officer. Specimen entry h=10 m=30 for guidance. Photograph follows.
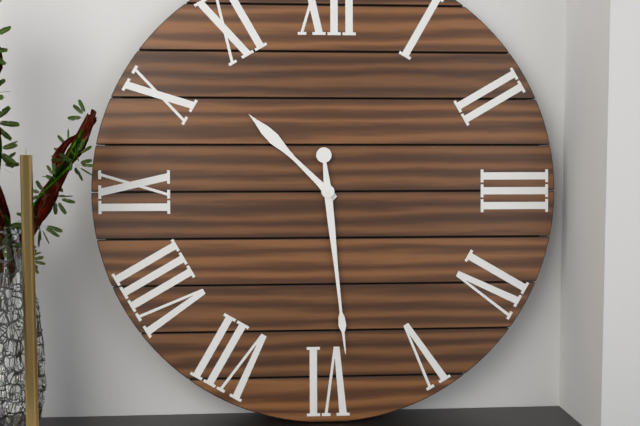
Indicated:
h=10 m=29
